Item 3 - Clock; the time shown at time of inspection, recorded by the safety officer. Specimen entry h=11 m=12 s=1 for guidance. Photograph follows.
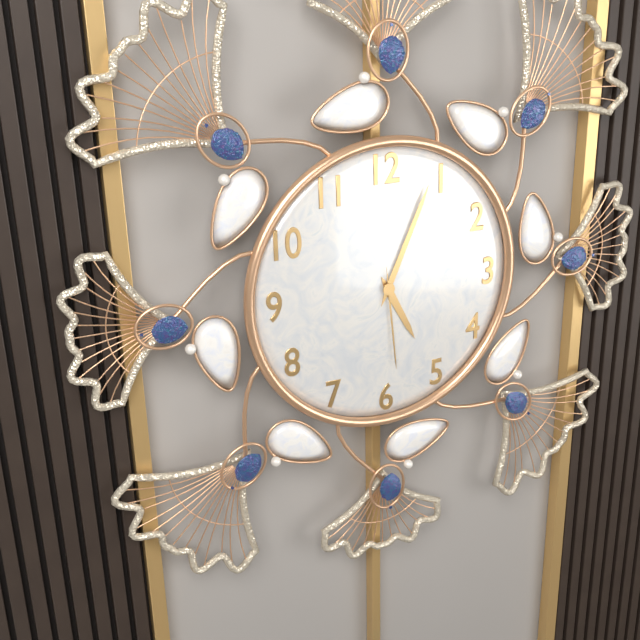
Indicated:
h=5 m=4 s=29
